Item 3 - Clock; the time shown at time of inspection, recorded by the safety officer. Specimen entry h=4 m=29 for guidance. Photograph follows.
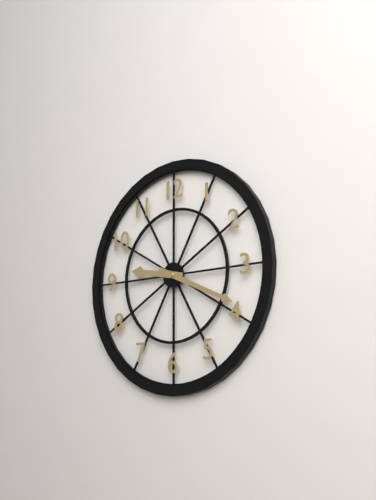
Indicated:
h=9 m=19
